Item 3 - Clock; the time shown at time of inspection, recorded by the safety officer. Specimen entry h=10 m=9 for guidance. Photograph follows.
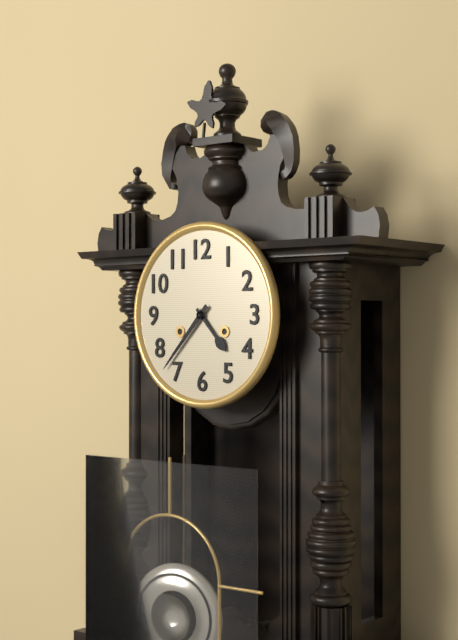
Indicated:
h=4 m=37
